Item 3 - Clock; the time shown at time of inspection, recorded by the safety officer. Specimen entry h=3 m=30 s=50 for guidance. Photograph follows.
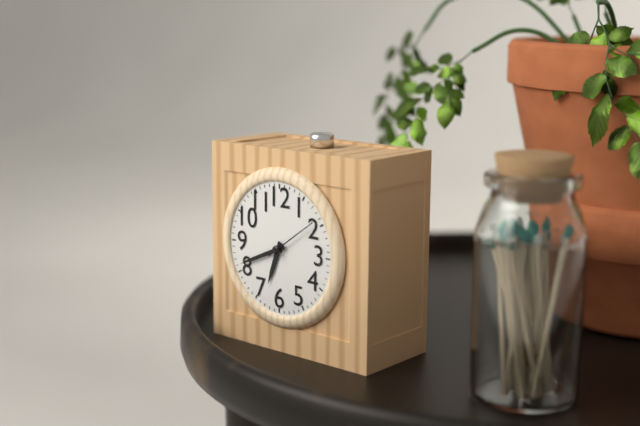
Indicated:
h=6 m=41 s=9
